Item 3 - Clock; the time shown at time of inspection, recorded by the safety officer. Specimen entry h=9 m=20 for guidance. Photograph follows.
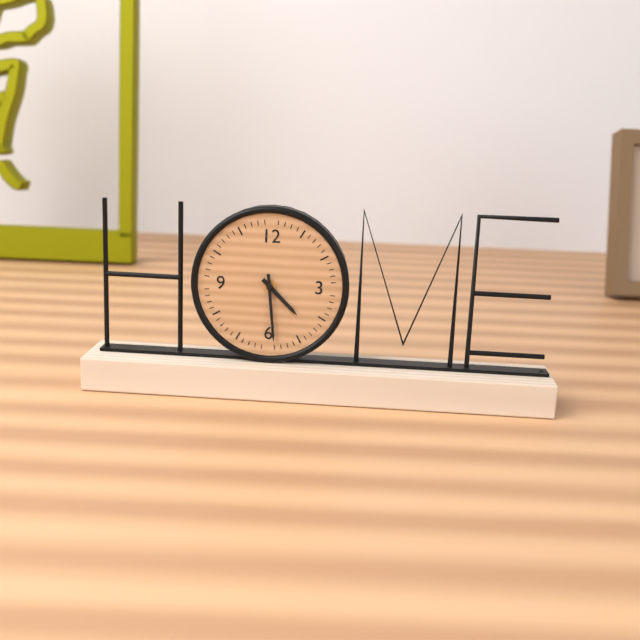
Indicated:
h=4 m=29
